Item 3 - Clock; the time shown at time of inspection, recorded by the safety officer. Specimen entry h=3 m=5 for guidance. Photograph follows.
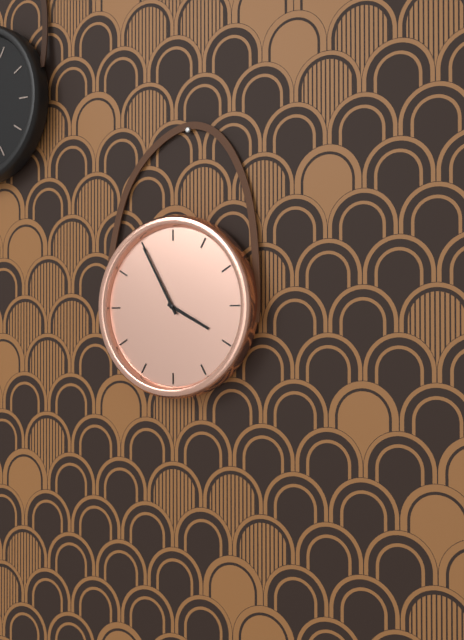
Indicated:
h=3 m=55
